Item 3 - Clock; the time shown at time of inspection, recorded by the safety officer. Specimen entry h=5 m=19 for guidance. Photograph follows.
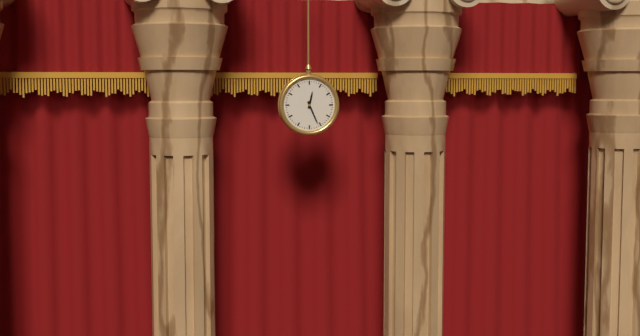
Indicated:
h=12 m=26
